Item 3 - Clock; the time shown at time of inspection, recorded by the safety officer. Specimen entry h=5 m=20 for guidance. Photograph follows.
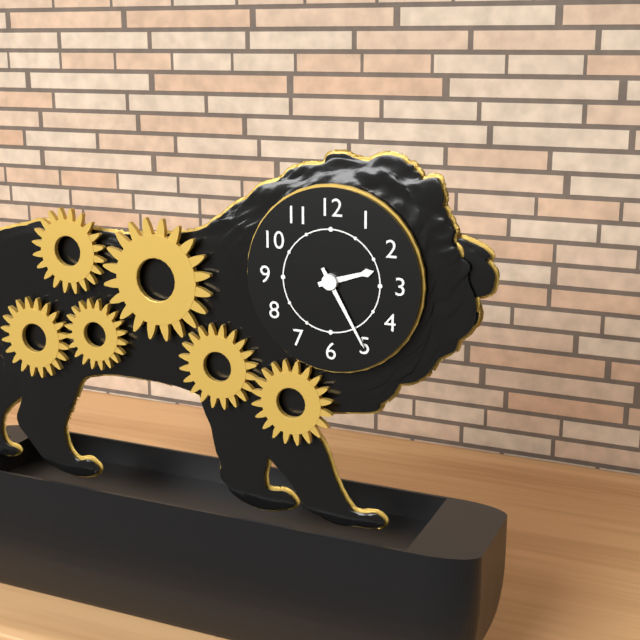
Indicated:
h=2 m=25
